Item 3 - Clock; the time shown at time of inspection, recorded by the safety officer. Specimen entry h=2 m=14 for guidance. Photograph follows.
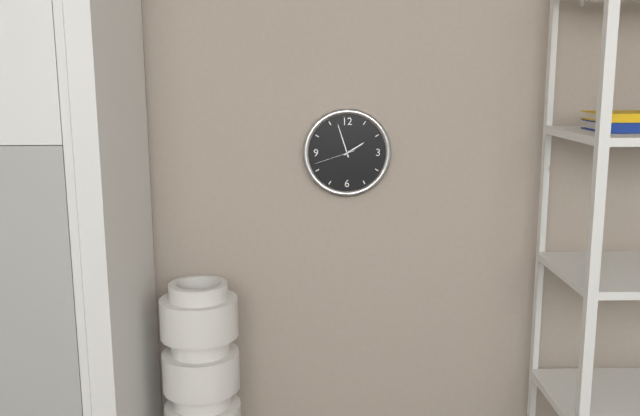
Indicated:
h=1 m=57
